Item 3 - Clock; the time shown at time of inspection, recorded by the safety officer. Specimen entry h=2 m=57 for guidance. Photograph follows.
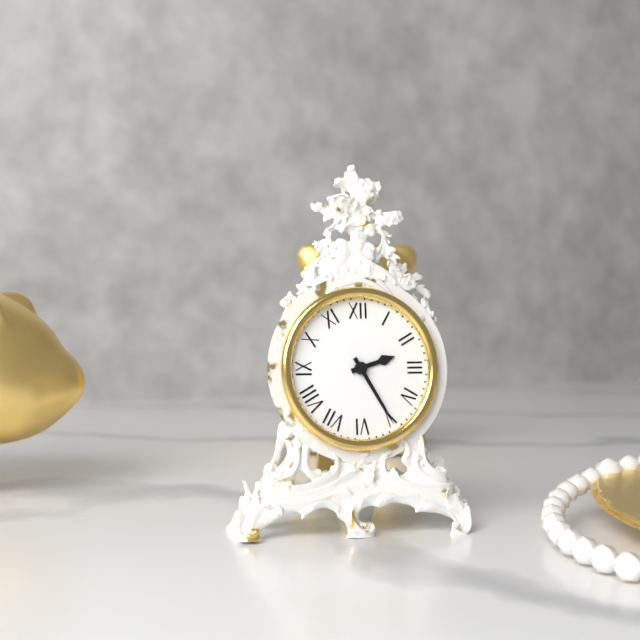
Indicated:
h=2 m=25
